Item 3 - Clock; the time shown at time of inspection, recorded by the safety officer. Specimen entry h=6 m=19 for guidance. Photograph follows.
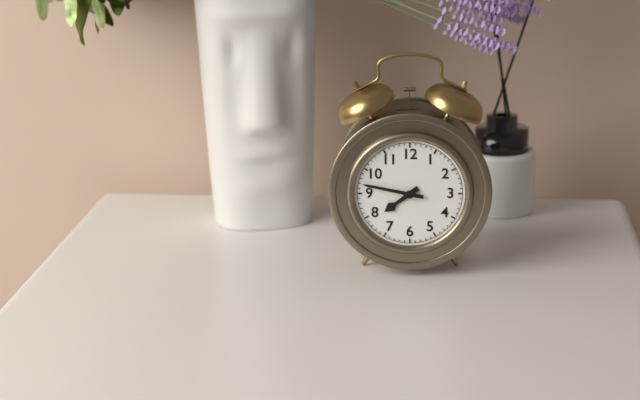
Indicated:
h=7 m=47
